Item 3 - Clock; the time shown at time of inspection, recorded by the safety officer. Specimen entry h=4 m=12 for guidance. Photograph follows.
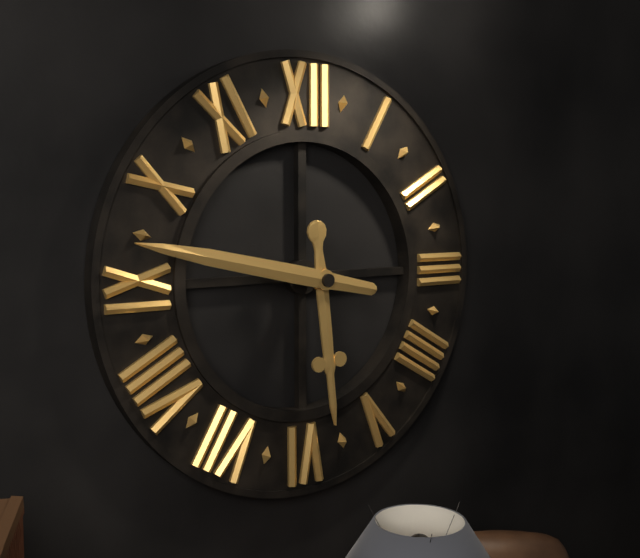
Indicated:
h=5 m=47
